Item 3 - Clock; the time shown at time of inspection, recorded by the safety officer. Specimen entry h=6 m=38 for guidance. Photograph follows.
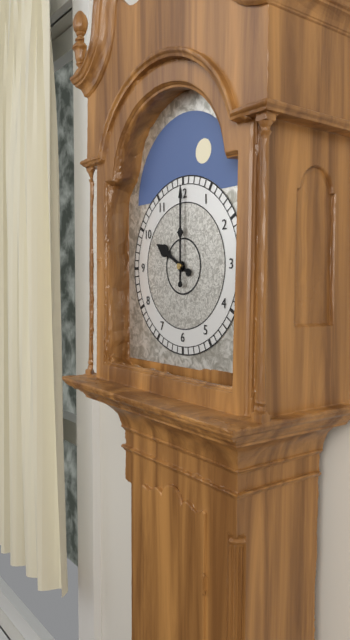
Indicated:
h=10 m=0
